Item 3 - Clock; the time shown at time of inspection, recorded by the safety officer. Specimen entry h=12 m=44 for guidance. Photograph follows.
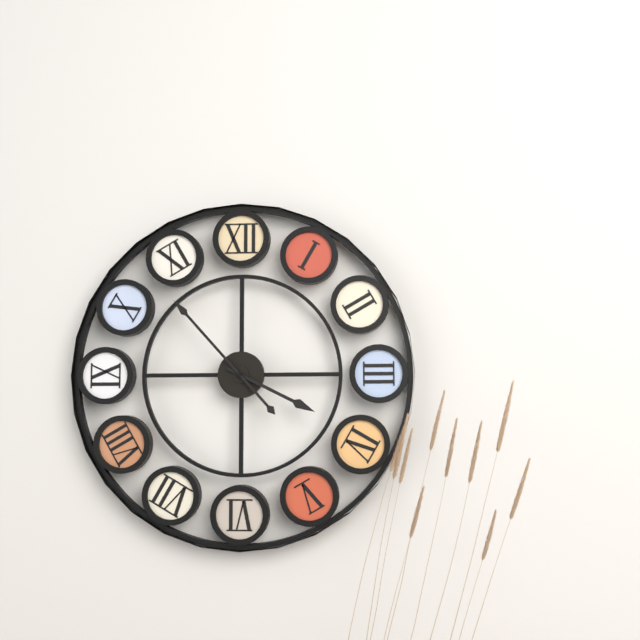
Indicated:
h=3 m=53
